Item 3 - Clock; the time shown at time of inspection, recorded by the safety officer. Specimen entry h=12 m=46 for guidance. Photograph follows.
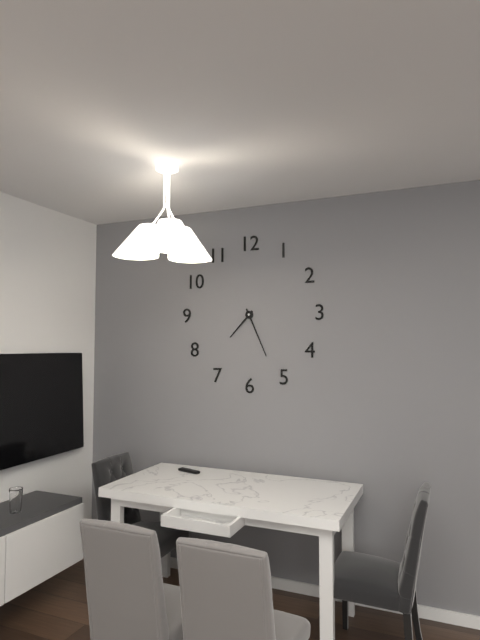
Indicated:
h=7 m=26
